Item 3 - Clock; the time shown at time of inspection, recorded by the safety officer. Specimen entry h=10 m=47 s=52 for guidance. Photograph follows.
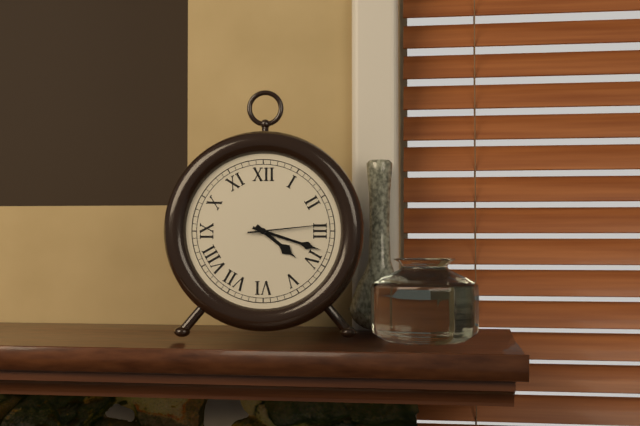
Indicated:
h=4 m=18 s=14
